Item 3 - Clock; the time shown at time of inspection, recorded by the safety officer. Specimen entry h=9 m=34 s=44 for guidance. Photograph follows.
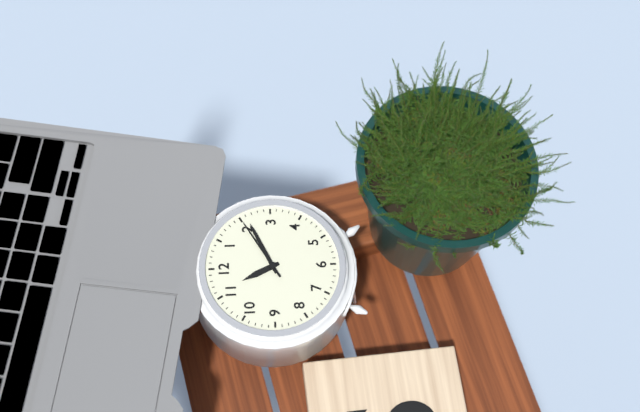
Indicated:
h=11 m=11 s=10
